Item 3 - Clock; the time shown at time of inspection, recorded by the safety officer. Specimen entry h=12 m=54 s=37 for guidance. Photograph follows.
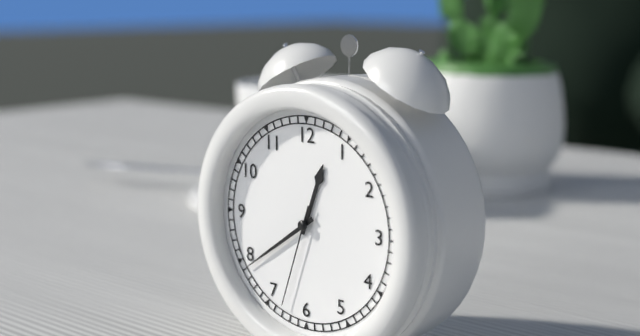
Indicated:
h=12 m=39 s=33
